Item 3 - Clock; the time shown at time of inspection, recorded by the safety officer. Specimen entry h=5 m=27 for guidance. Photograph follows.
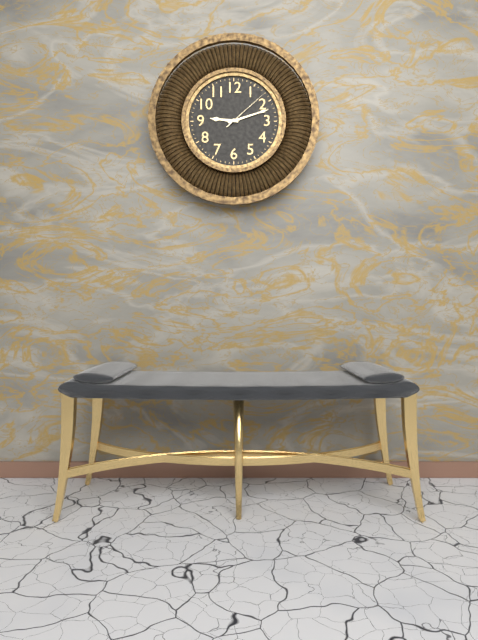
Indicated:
h=9 m=12
